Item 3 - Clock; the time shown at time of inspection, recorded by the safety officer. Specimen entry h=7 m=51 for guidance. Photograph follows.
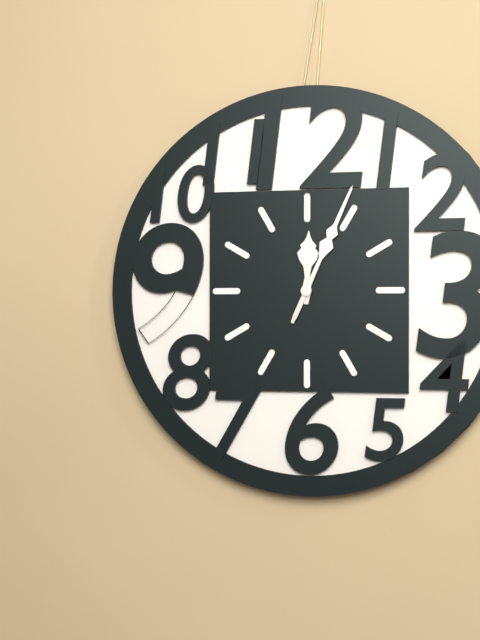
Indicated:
h=12 m=4
